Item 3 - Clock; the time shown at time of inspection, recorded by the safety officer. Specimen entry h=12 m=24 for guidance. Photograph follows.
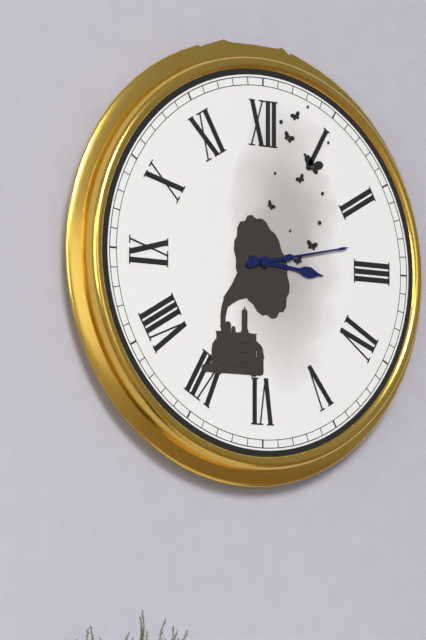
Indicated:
h=3 m=13
